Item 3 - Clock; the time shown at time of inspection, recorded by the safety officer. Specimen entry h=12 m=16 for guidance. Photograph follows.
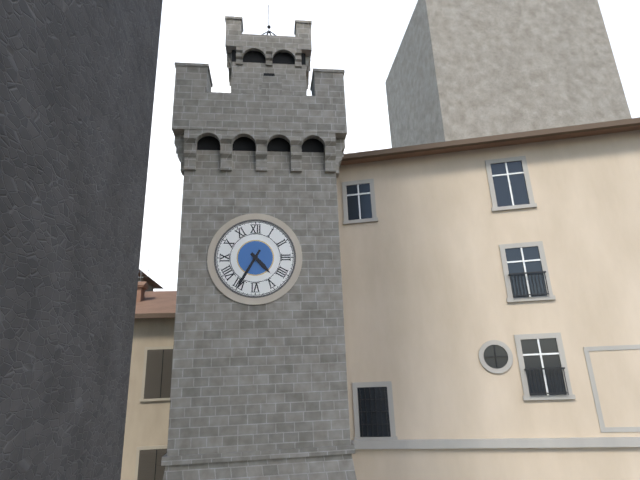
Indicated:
h=4 m=35
